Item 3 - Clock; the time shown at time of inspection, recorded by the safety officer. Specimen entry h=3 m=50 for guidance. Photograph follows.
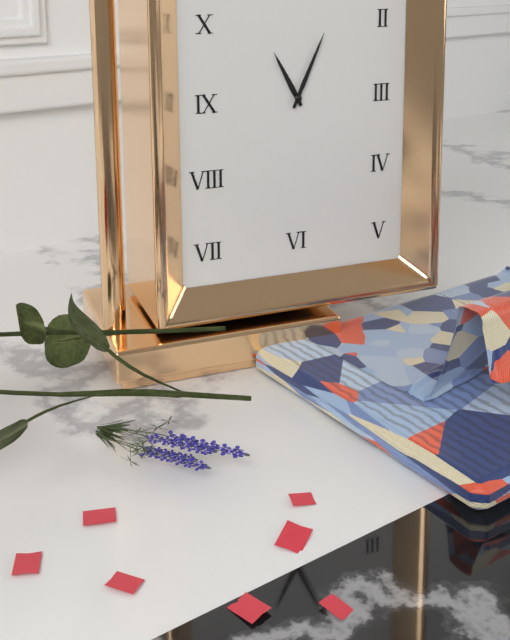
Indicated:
h=11 m=4
